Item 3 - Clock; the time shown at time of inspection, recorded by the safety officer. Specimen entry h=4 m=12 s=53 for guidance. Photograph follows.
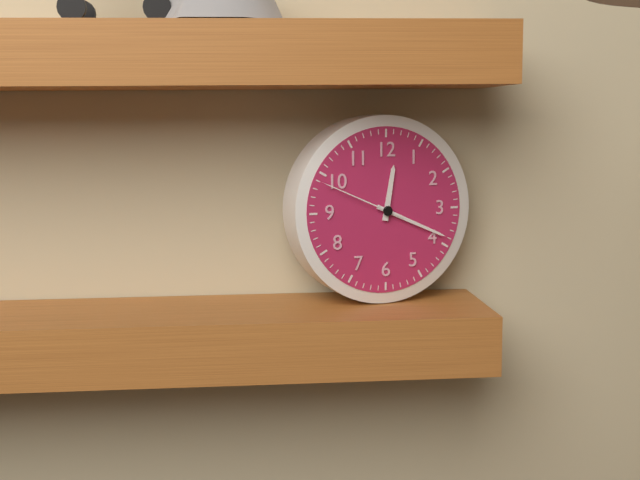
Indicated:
h=12 m=19 s=49
